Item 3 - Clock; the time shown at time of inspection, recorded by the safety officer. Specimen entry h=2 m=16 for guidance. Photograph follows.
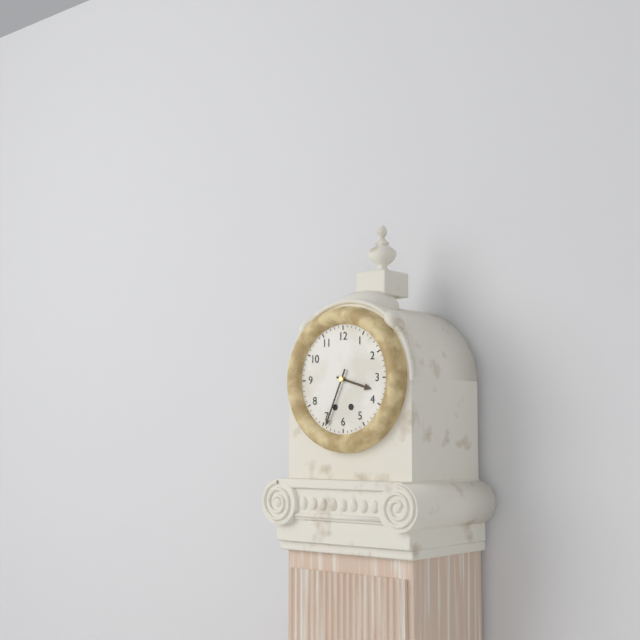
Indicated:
h=3 m=34
